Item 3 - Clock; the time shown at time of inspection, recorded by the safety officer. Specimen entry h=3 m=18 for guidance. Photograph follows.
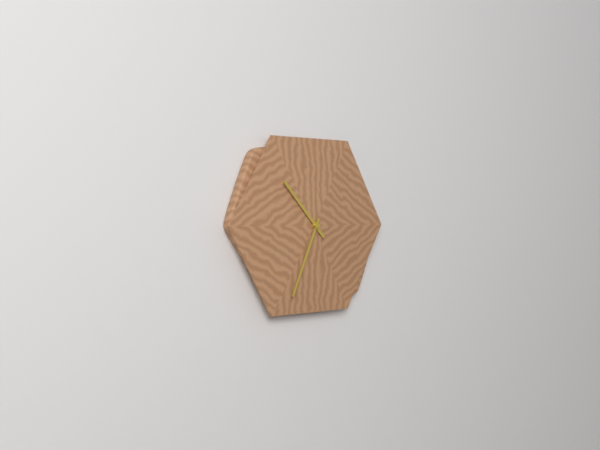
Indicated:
h=10 m=34
